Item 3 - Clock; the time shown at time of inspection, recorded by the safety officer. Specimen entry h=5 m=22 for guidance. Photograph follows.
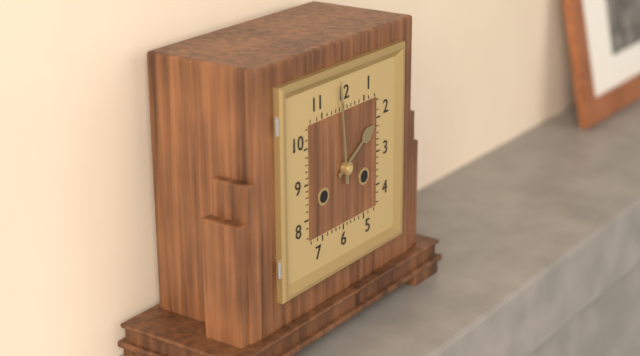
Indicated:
h=1 m=59
